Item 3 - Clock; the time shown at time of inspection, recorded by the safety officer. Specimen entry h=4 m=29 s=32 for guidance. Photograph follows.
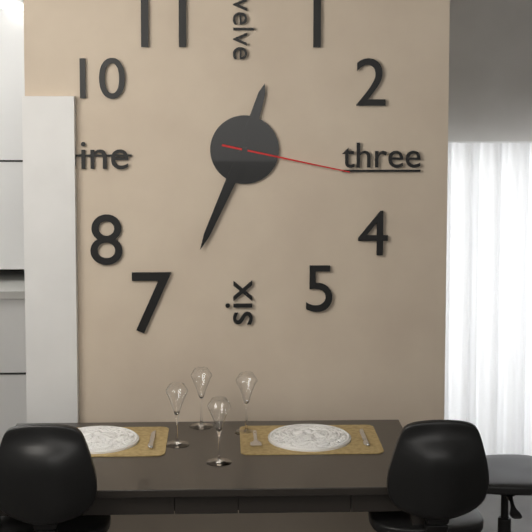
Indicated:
h=12 m=34 s=17
